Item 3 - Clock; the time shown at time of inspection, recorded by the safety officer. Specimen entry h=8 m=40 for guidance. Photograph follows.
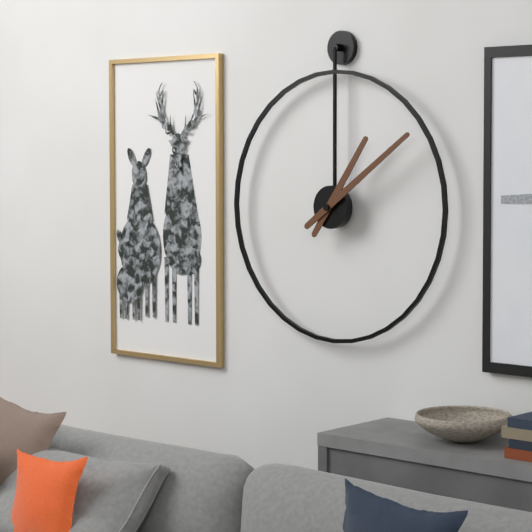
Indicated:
h=1 m=9
